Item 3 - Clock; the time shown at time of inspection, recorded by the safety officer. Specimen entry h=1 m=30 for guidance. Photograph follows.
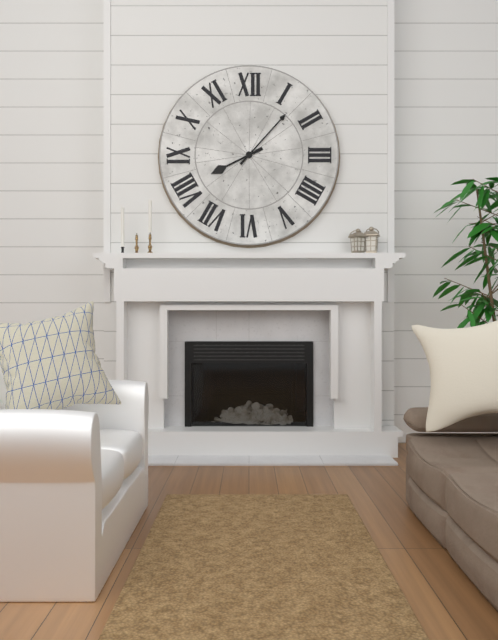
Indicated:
h=8 m=7
